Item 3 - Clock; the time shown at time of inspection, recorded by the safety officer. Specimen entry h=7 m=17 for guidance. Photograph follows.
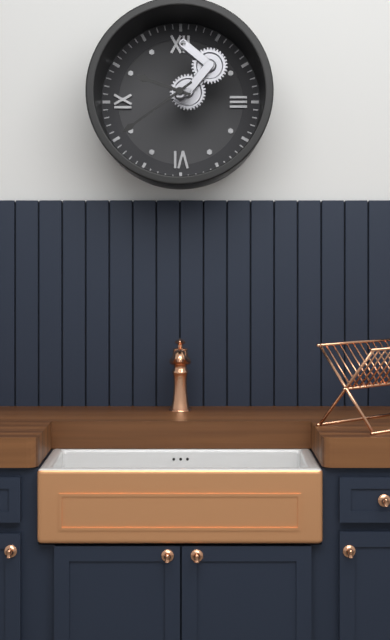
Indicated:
h=9 m=39
